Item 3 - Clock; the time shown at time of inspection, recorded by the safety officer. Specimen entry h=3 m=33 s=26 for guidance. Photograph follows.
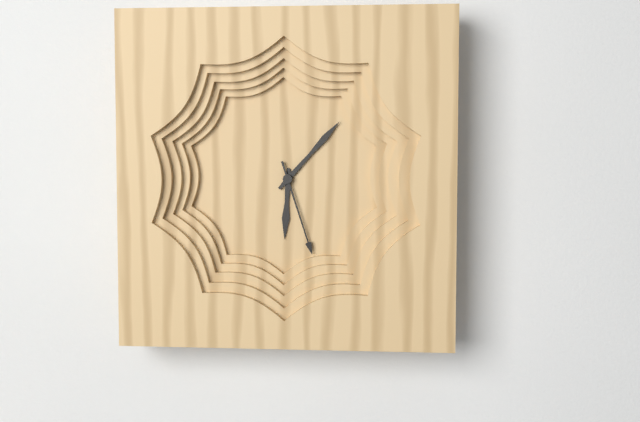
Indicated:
h=6 m=7 s=27
